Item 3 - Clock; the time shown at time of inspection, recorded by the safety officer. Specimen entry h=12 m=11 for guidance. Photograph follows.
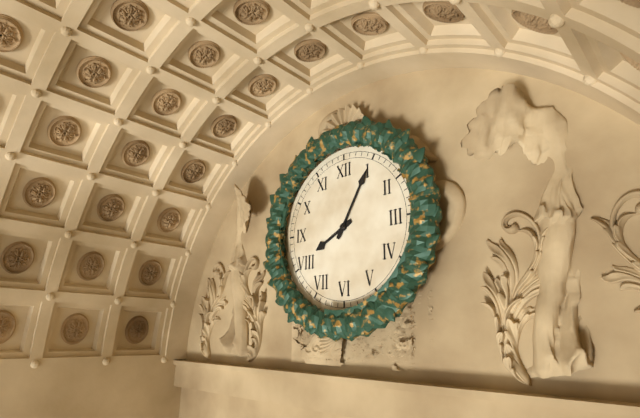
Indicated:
h=8 m=5
